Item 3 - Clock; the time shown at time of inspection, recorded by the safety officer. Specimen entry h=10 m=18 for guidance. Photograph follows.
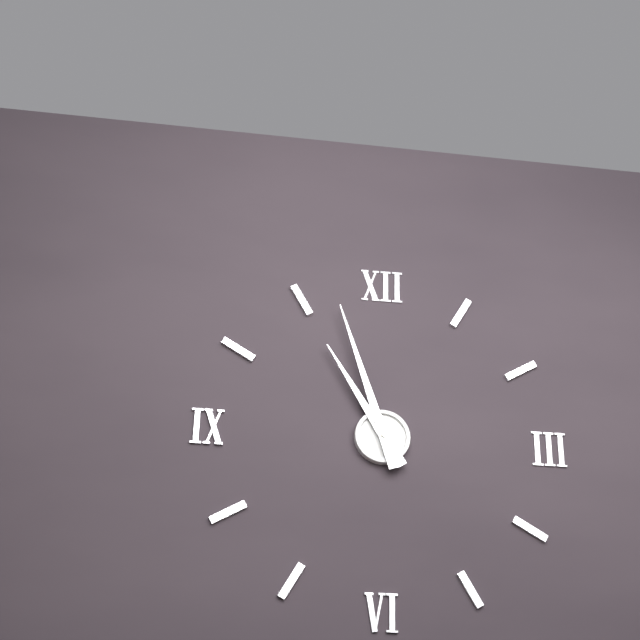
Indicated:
h=10 m=57
